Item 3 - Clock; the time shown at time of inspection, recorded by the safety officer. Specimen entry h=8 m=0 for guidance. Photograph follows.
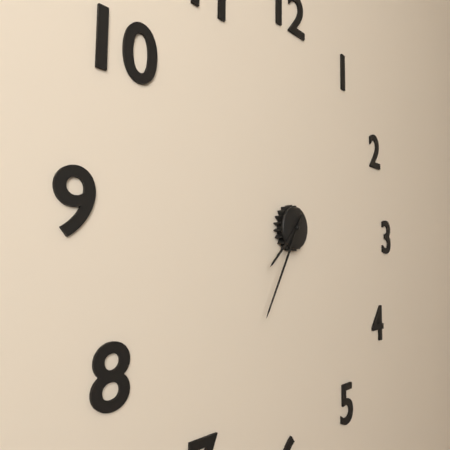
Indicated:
h=7 m=35
